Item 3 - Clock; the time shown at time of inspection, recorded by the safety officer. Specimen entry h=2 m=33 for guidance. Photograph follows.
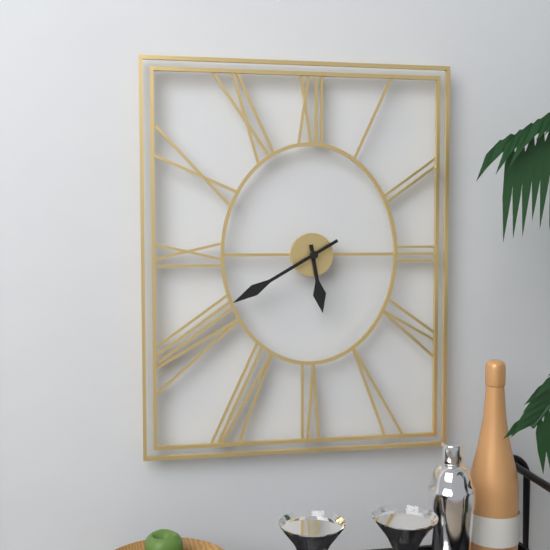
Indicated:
h=5 m=40
